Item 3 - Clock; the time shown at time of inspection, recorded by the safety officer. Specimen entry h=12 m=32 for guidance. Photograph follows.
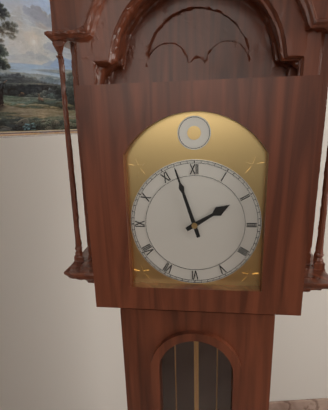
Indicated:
h=1 m=57
